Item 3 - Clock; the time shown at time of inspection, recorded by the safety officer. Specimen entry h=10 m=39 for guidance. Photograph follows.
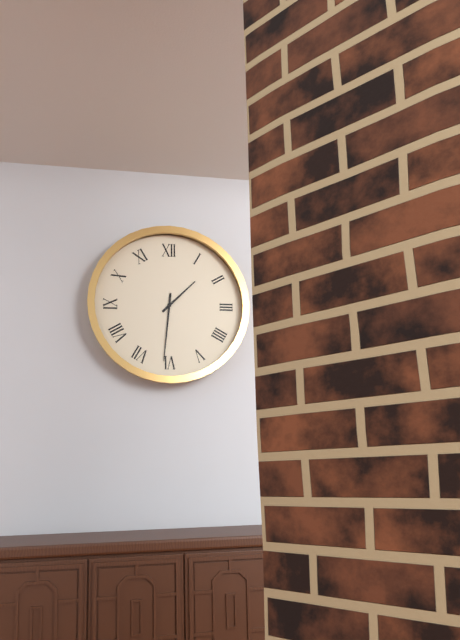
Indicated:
h=1 m=31
